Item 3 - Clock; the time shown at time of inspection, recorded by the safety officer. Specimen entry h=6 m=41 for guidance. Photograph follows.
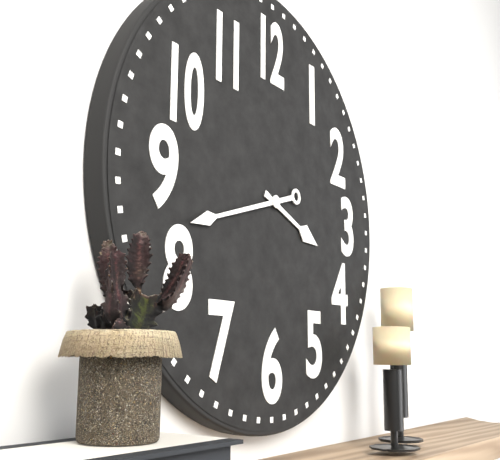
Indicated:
h=3 m=42
